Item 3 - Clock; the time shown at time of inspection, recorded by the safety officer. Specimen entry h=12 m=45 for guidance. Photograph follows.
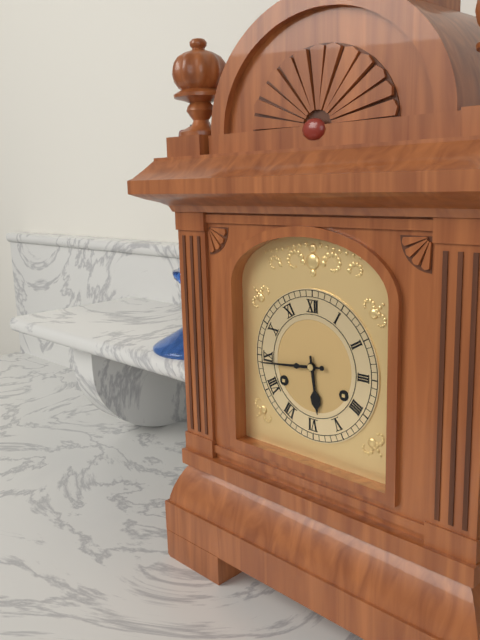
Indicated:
h=5 m=44
